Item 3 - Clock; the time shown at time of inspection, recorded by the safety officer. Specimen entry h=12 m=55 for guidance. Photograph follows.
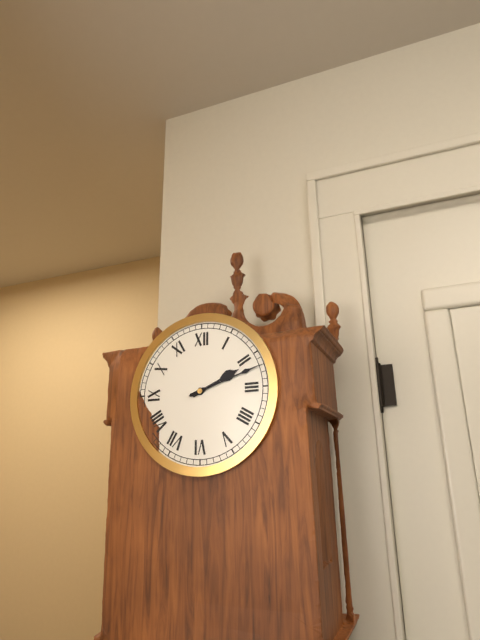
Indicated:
h=2 m=12
